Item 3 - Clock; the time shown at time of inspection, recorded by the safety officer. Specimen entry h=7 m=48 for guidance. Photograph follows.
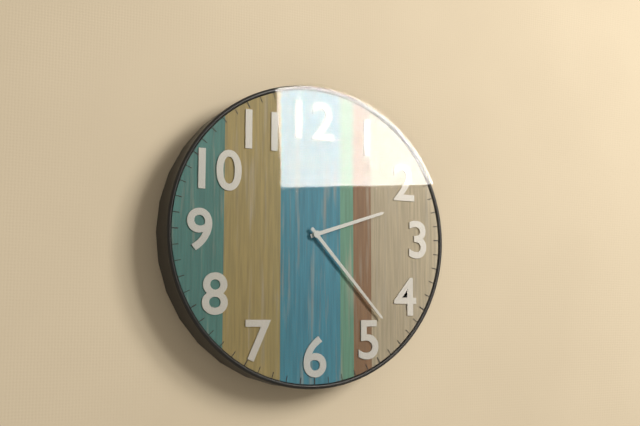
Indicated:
h=2 m=23
